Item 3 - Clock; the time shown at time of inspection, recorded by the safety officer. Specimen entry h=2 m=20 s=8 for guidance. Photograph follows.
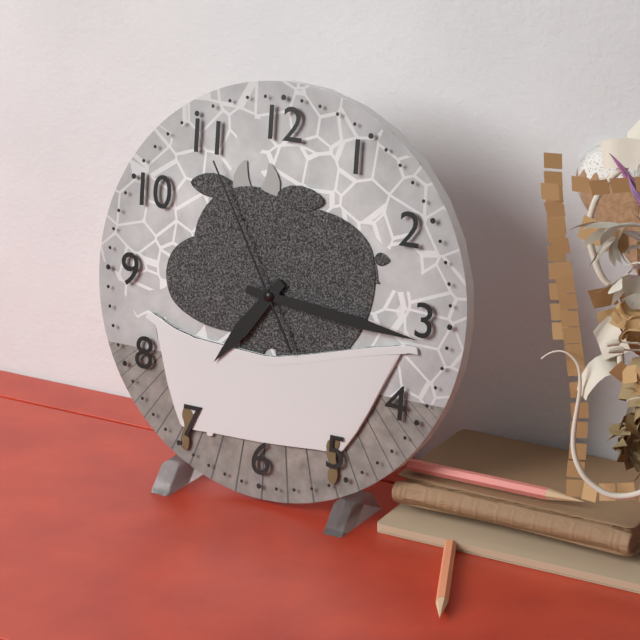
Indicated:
h=7 m=16 s=55
